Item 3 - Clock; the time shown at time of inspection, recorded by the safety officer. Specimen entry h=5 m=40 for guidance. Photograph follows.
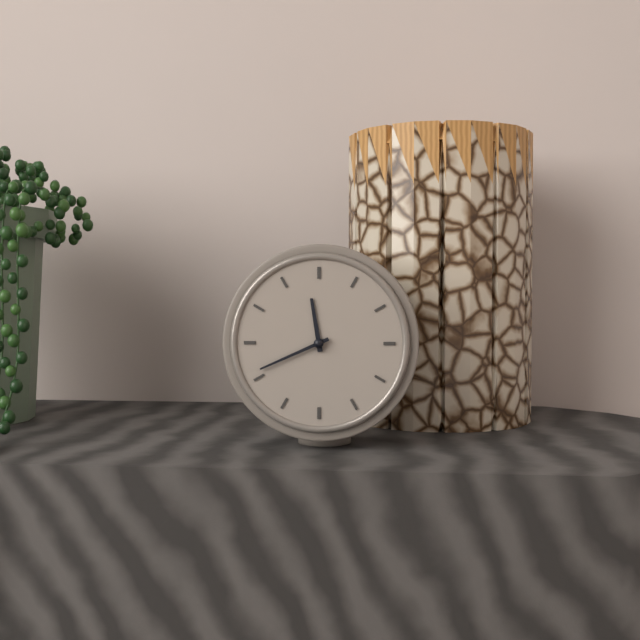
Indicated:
h=11 m=41
